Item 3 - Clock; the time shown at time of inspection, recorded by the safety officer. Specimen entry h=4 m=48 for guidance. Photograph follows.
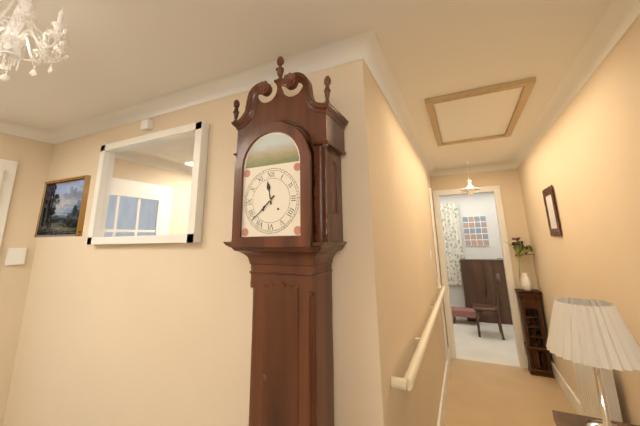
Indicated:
h=11 m=38
